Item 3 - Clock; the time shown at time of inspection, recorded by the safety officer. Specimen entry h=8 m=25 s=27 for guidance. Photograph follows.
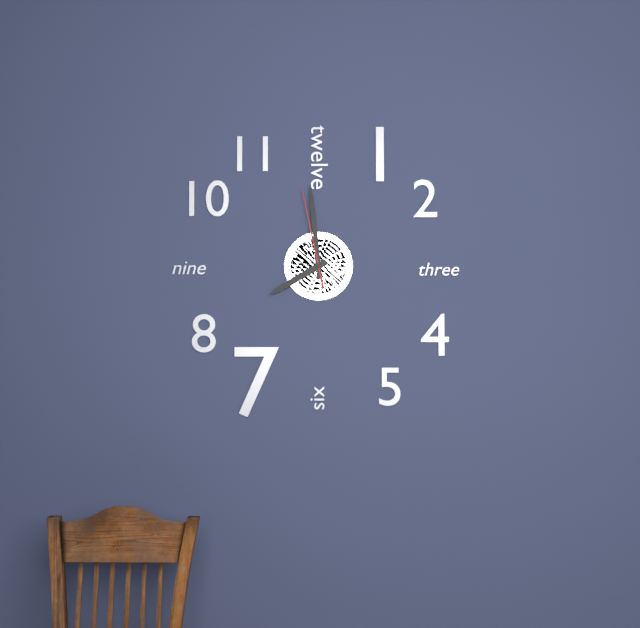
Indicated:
h=7 m=59 s=58
